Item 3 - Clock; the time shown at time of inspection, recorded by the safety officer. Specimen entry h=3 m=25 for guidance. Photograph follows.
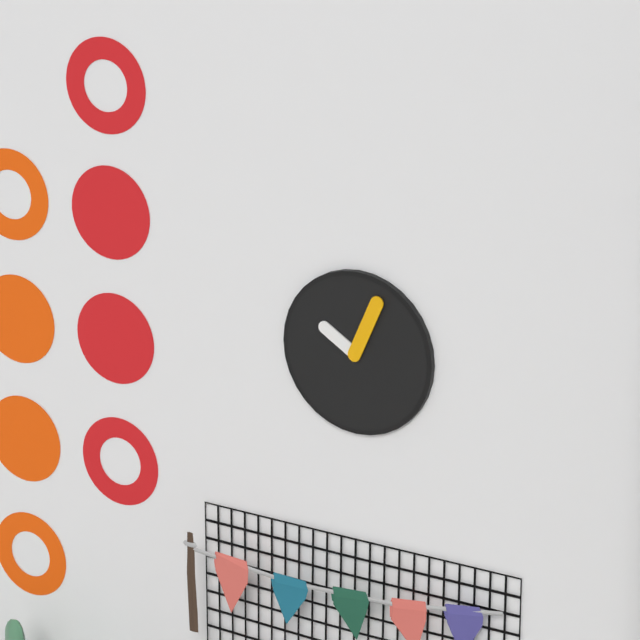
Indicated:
h=10 m=4
